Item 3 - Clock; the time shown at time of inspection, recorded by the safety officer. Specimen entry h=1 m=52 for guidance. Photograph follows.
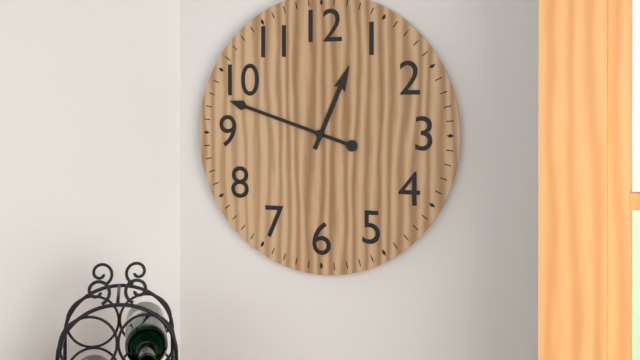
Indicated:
h=12 m=48
